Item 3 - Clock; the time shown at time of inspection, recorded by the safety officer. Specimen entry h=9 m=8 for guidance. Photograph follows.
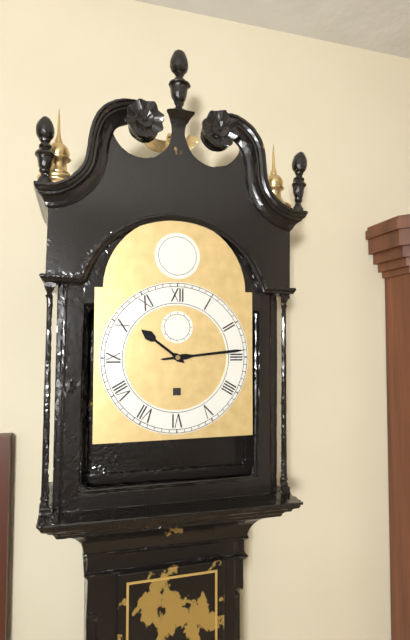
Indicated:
h=10 m=14
